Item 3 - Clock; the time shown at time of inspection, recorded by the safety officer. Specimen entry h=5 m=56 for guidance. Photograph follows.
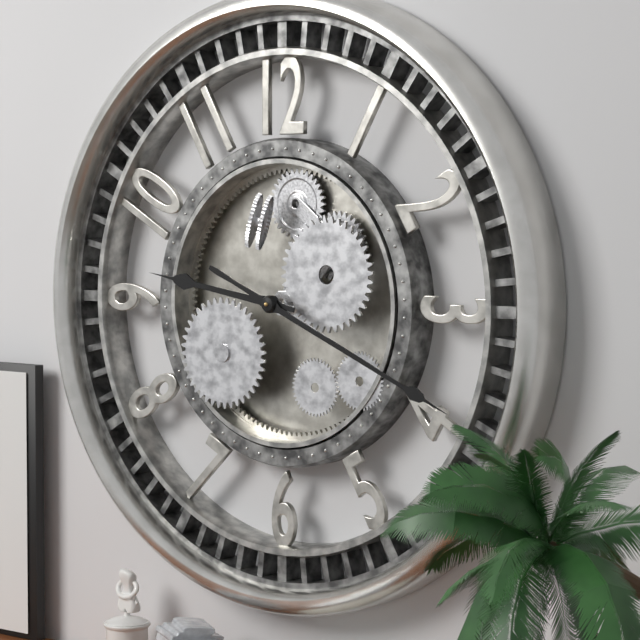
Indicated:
h=9 m=19
